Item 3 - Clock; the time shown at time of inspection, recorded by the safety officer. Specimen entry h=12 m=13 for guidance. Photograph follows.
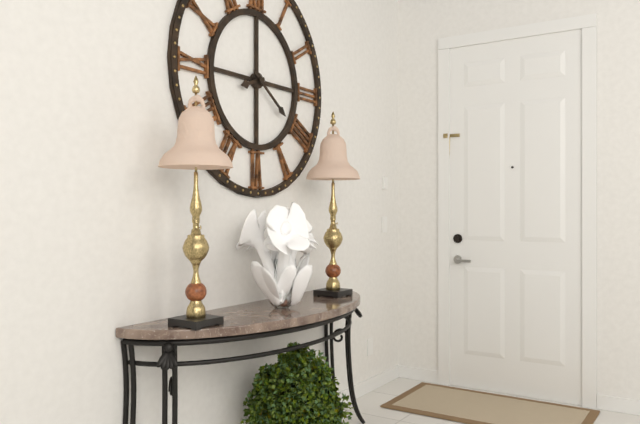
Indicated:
h=8 m=21
